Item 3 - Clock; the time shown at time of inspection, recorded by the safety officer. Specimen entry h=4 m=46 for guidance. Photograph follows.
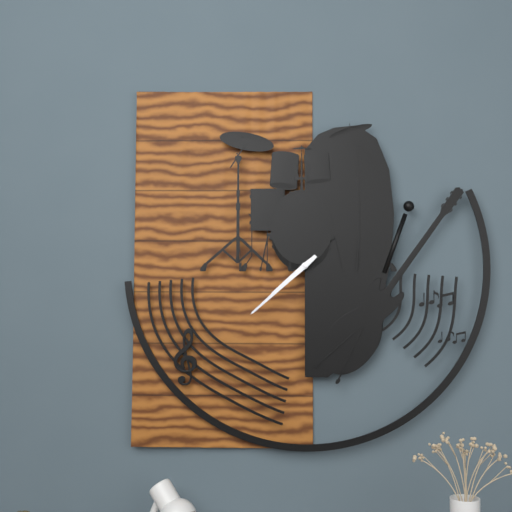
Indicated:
h=7 m=38
